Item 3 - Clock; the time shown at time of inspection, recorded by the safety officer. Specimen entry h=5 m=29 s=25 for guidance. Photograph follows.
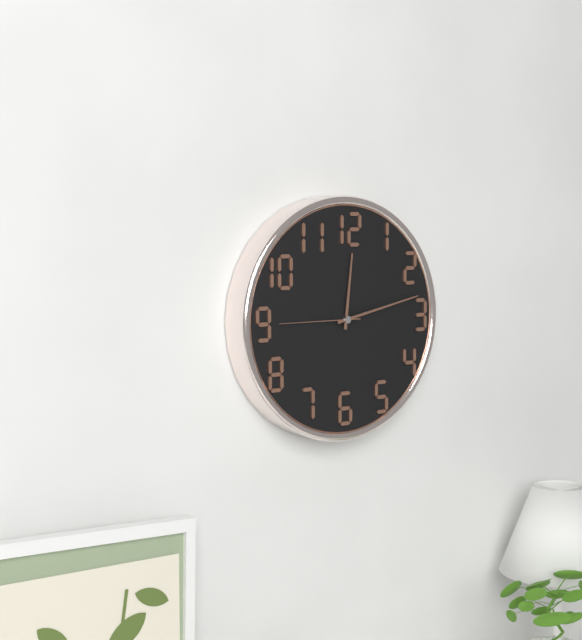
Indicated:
h=12 m=13 s=45
